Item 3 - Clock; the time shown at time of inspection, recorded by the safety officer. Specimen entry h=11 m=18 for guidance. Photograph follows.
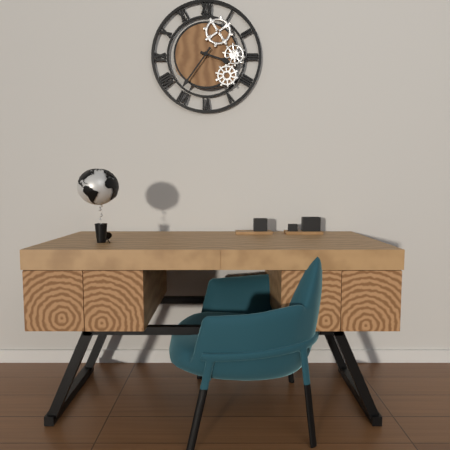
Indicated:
h=3 m=36
